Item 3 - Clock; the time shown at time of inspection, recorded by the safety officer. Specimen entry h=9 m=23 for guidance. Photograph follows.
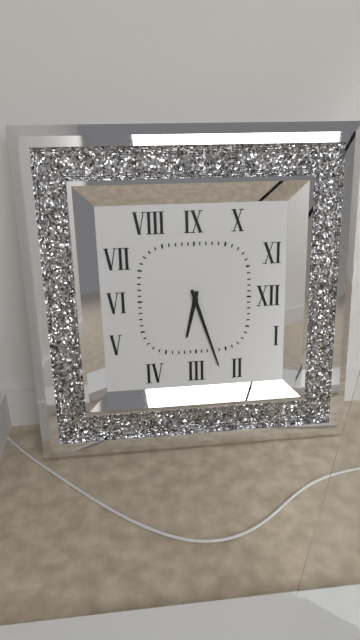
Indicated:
h=6 m=27
